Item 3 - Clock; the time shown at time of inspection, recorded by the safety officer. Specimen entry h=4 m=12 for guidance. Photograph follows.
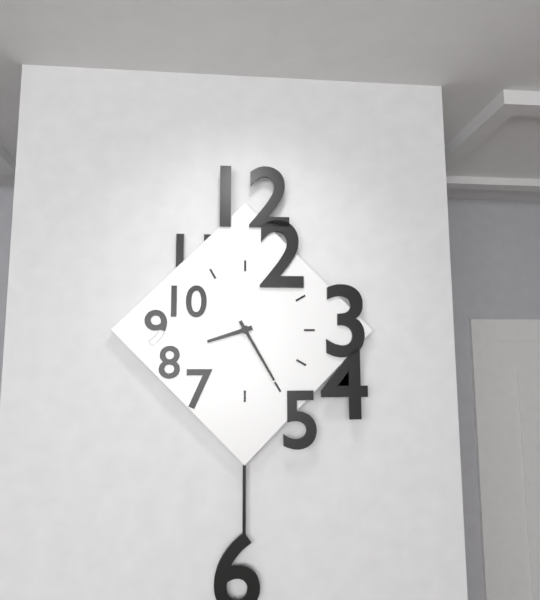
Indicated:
h=8 m=25
